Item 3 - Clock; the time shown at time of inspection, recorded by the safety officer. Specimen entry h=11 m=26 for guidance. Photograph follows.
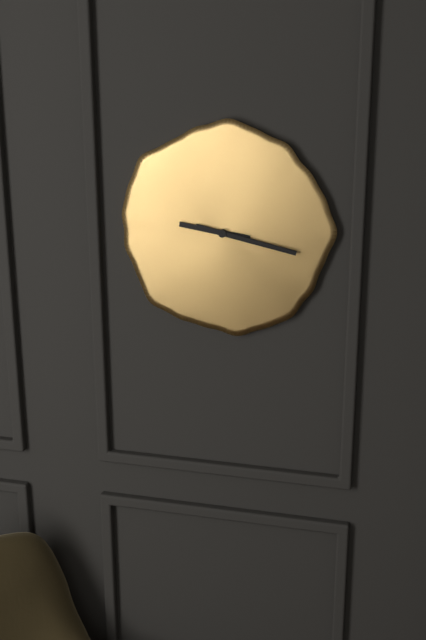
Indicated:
h=9 m=17
